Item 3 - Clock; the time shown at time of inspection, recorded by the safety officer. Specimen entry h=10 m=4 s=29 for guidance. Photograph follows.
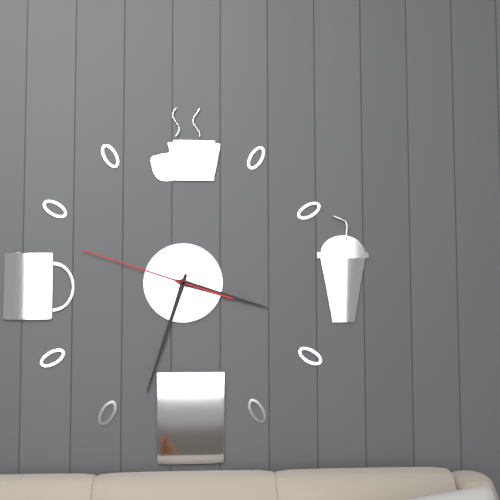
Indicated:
h=3 m=33 s=48
